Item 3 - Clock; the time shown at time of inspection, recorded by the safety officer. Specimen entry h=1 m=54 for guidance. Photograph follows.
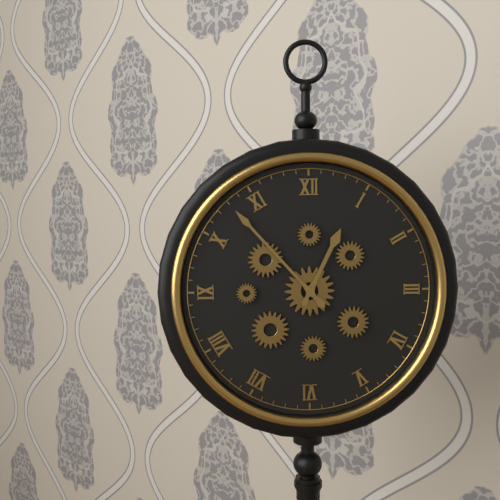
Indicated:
h=12 m=53
